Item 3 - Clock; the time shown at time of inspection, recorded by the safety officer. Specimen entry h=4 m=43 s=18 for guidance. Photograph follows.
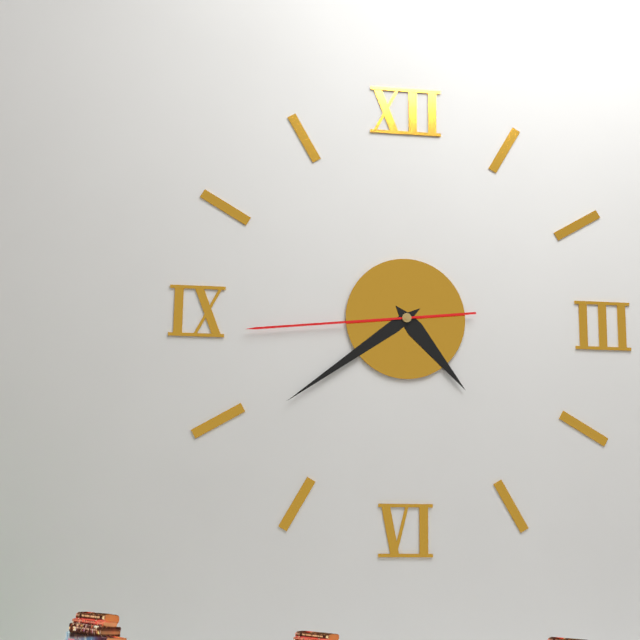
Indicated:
h=4 m=39 s=44
